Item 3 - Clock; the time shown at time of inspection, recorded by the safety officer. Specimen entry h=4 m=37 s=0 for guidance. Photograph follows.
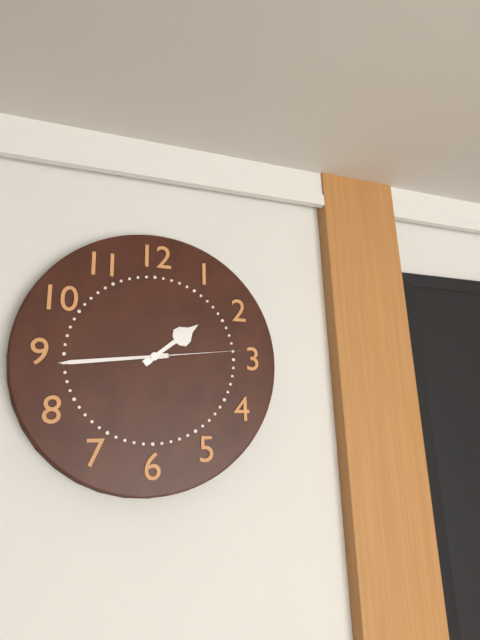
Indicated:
h=1 m=44 s=14
